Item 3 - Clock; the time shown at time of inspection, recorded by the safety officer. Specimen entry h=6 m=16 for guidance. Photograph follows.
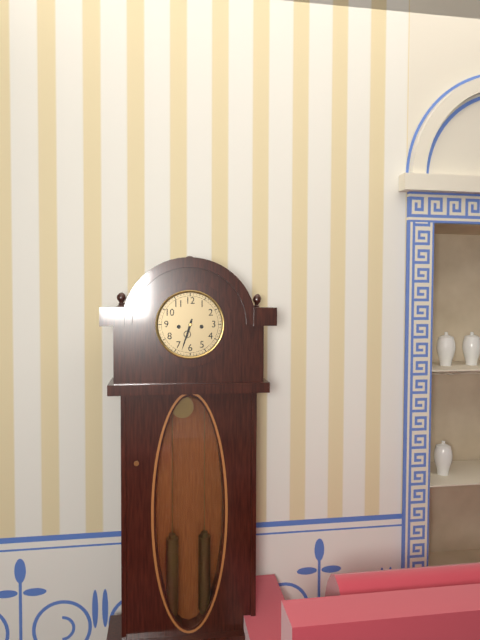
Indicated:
h=6 m=33
